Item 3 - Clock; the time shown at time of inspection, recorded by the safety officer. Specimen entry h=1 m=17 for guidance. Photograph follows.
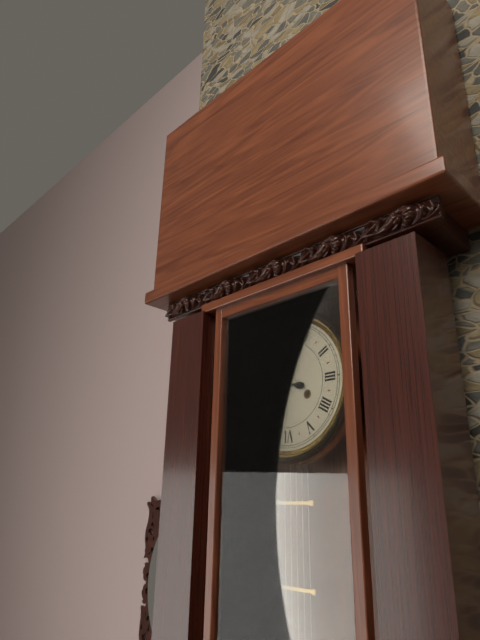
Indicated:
h=6 m=47
